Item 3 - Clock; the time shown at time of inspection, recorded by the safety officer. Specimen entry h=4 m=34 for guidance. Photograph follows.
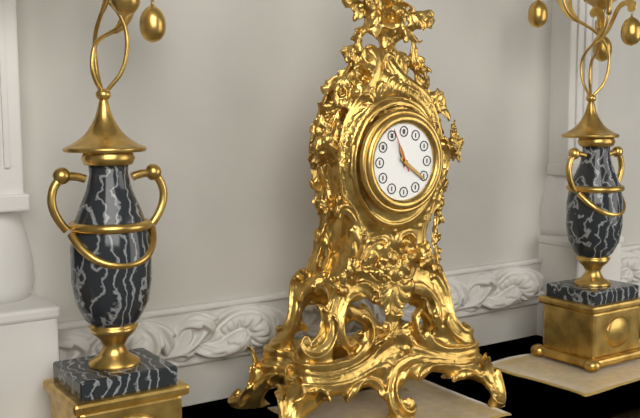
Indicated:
h=11 m=21
